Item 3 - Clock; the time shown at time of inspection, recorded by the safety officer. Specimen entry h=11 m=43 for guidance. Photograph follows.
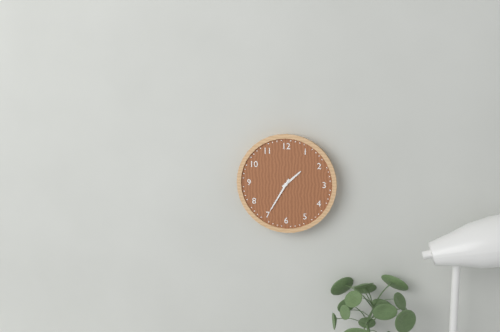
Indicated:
h=1 m=35
